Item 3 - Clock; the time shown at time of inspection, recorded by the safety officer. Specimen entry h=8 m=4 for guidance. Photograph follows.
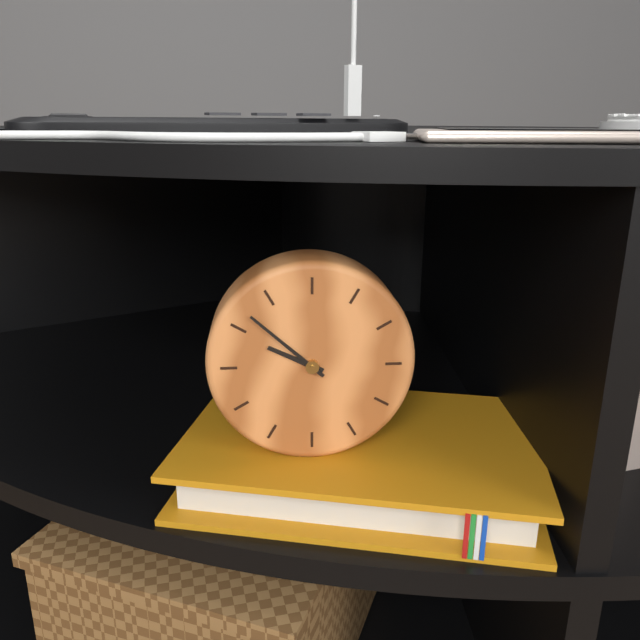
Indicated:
h=9 m=52
